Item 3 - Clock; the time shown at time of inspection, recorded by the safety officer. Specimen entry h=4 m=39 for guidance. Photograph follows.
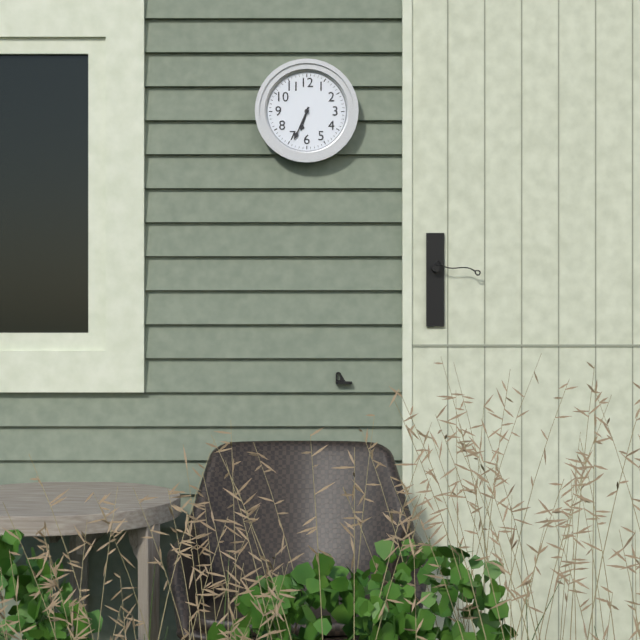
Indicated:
h=6 m=34
